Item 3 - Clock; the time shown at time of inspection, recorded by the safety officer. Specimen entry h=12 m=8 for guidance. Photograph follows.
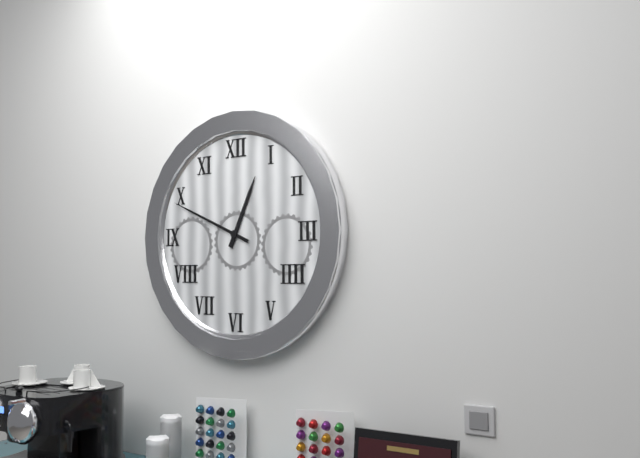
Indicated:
h=12 m=49
